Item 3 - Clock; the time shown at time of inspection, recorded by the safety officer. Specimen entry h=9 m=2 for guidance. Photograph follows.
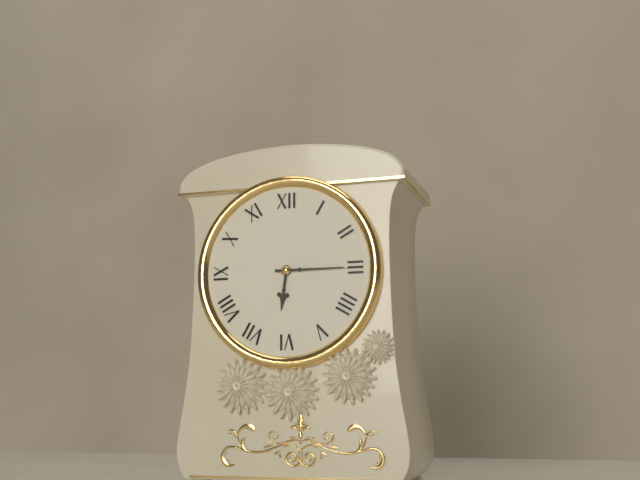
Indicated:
h=6 m=15
